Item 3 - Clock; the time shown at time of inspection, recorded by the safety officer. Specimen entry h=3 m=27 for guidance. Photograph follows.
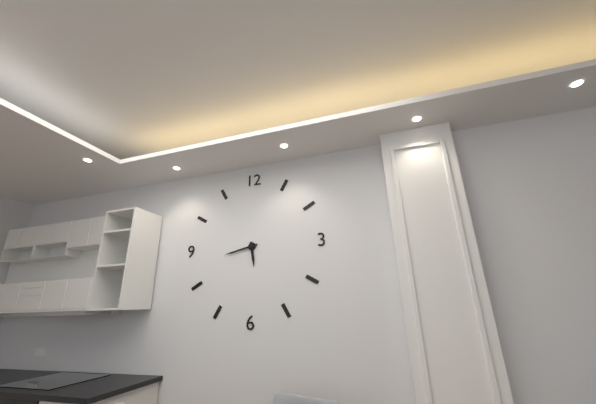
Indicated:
h=5 m=43
